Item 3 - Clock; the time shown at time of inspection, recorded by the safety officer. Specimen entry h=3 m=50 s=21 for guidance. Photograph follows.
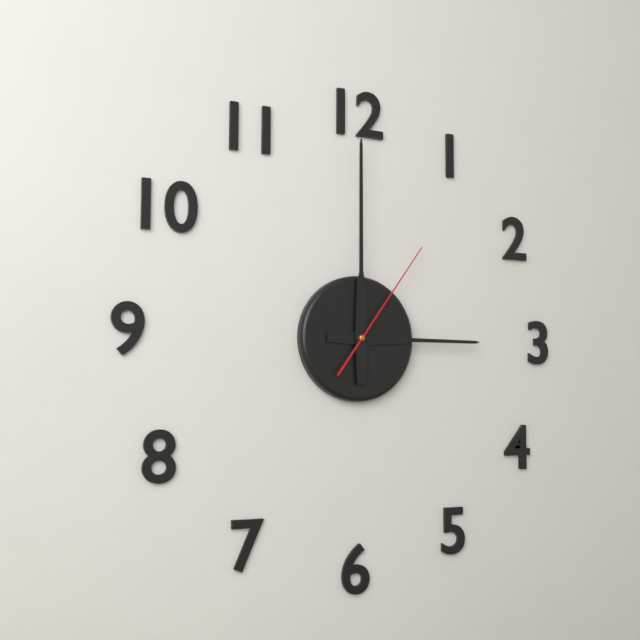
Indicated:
h=3 m=0 s=6
